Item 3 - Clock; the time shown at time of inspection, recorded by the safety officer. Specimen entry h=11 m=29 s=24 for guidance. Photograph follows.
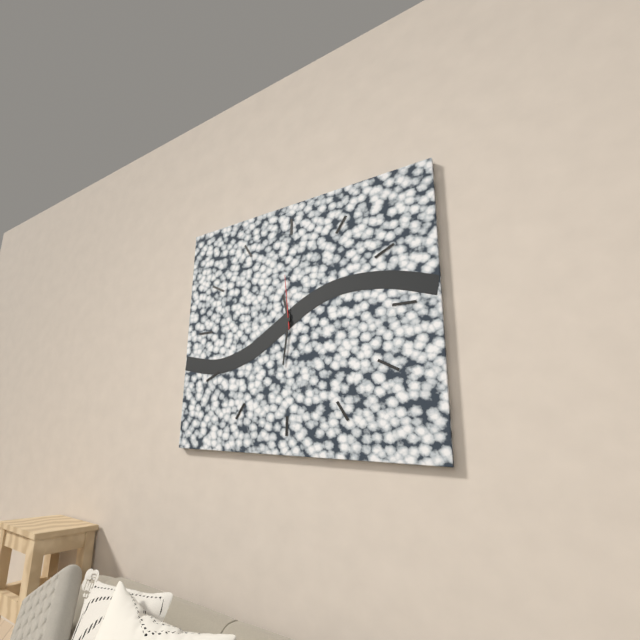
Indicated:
h=11 m=31 s=59
